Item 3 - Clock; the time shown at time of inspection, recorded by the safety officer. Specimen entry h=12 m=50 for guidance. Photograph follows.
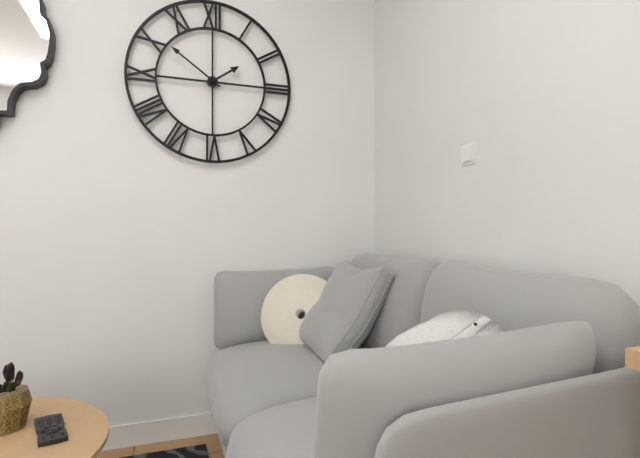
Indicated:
h=1 m=51
